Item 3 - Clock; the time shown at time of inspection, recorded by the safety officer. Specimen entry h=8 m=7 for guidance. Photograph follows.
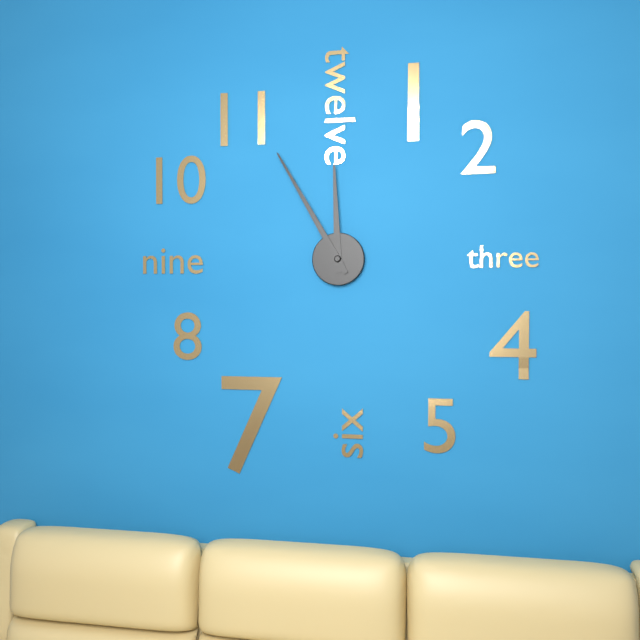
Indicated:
h=11 m=55
